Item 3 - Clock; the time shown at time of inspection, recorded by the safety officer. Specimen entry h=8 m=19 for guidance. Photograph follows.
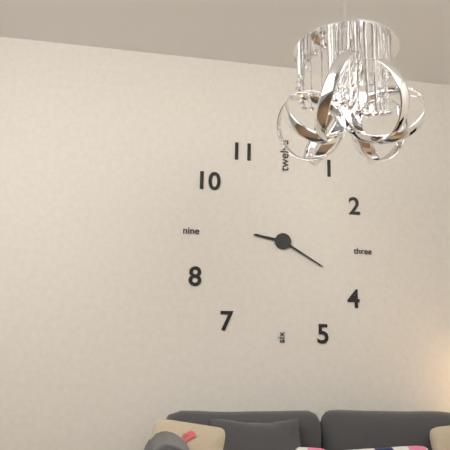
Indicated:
h=9 m=20
